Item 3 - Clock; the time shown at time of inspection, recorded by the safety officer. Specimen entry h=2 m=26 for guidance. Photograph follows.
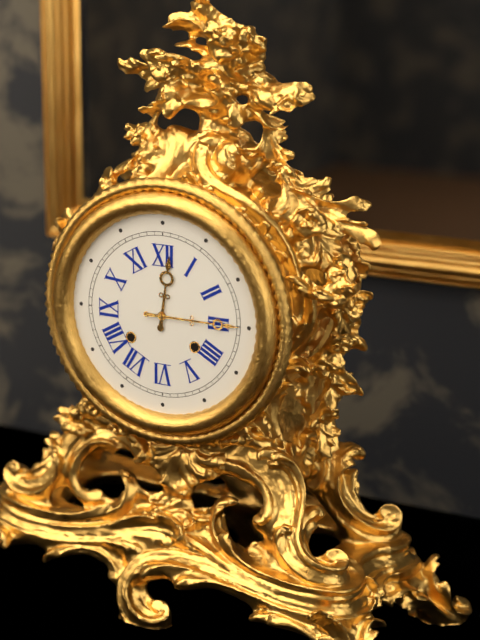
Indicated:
h=12 m=15
